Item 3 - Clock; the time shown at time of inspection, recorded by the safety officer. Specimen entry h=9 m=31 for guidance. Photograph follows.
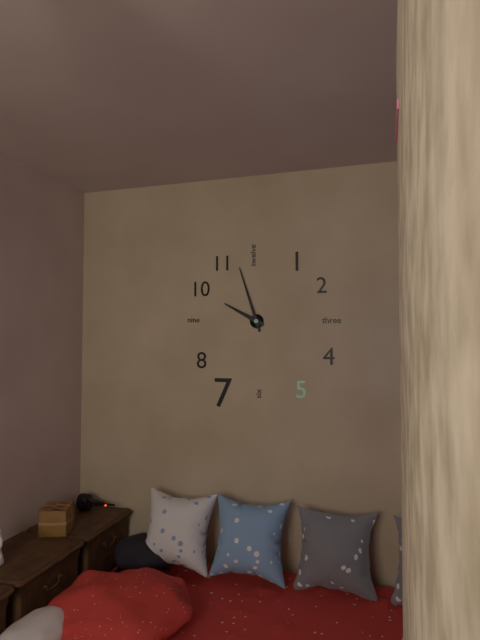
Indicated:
h=9 m=57
